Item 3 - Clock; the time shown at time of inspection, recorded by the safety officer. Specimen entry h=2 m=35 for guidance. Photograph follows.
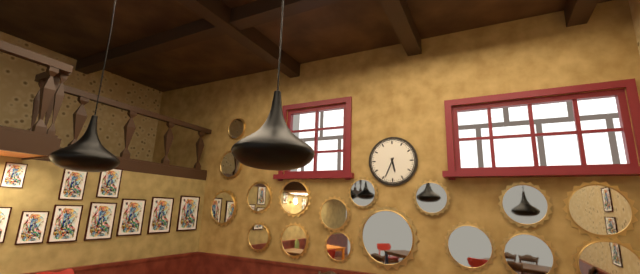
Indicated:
h=5 m=34
